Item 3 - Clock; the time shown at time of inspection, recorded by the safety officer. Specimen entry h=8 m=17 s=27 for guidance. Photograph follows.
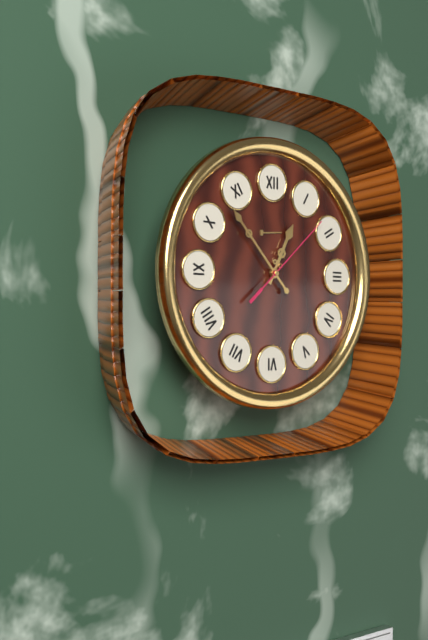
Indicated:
h=12 m=53 s=8
